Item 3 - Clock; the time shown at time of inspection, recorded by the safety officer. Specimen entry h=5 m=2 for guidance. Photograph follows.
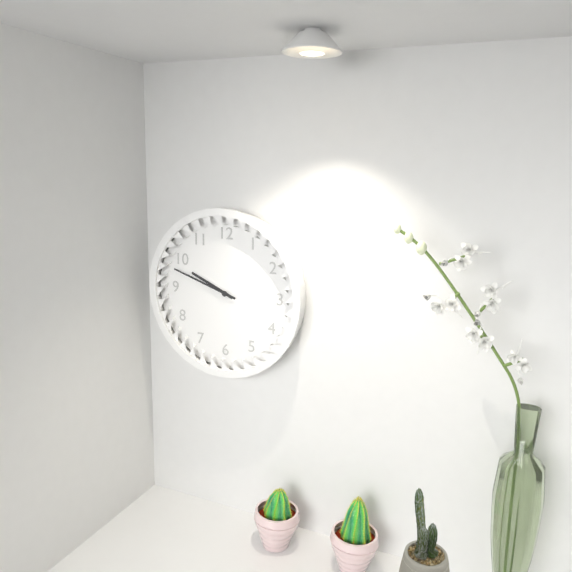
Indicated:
h=9 m=48
